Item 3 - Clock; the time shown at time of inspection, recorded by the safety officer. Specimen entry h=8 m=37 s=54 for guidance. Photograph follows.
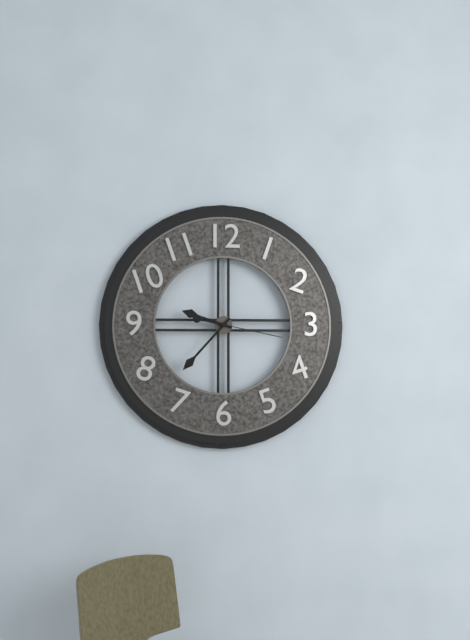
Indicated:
h=9 m=37 s=17
